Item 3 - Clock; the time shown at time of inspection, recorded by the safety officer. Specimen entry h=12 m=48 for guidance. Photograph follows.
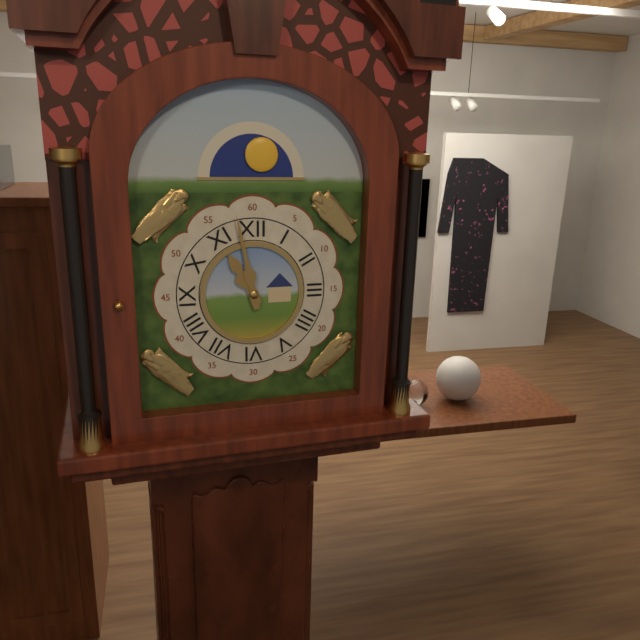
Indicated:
h=10 m=58
